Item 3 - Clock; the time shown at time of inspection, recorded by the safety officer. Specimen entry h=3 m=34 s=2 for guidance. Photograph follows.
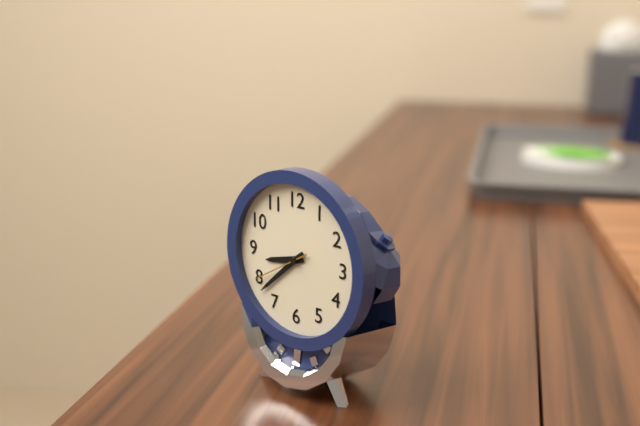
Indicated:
h=8 m=38 s=40
